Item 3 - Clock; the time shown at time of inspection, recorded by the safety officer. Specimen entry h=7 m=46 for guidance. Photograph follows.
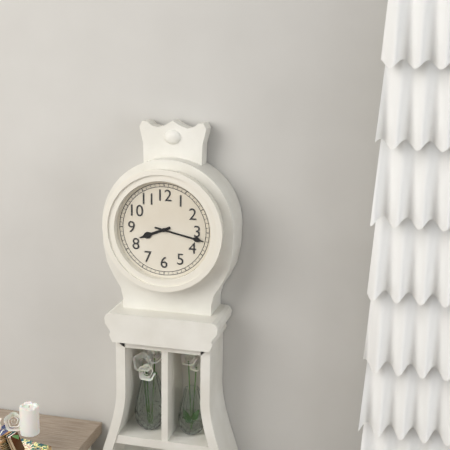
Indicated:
h=8 m=17
